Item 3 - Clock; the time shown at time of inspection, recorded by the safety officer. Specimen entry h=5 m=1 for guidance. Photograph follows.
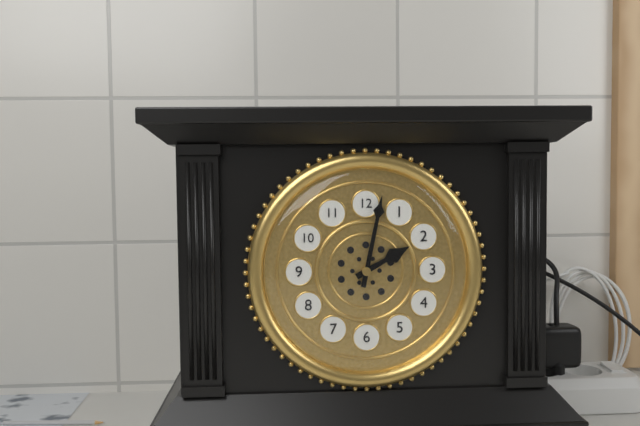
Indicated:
h=2 m=2
